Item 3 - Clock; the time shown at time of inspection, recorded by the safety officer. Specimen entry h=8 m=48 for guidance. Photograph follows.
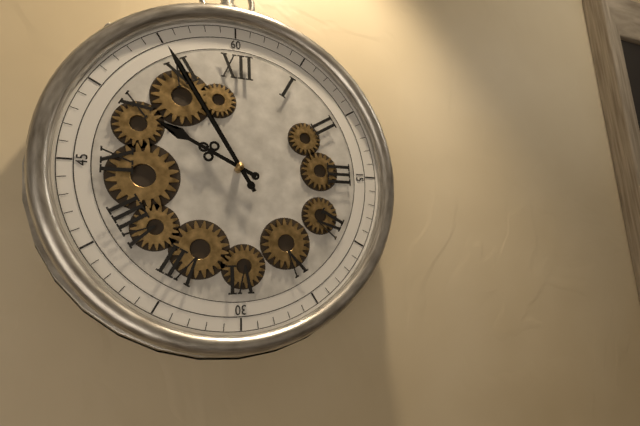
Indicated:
h=9 m=55
